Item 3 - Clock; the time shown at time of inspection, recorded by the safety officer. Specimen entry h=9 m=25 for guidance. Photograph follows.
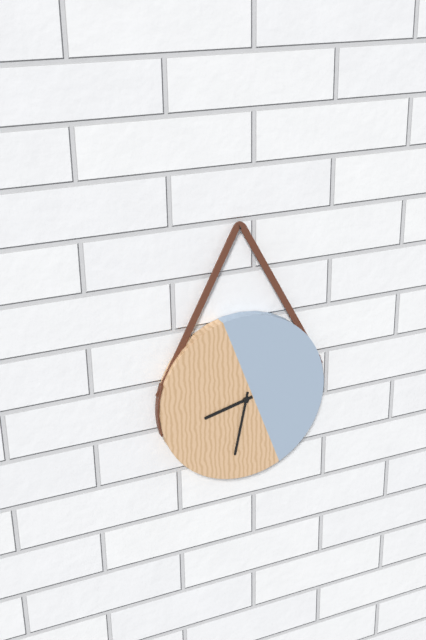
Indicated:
h=8 m=32
